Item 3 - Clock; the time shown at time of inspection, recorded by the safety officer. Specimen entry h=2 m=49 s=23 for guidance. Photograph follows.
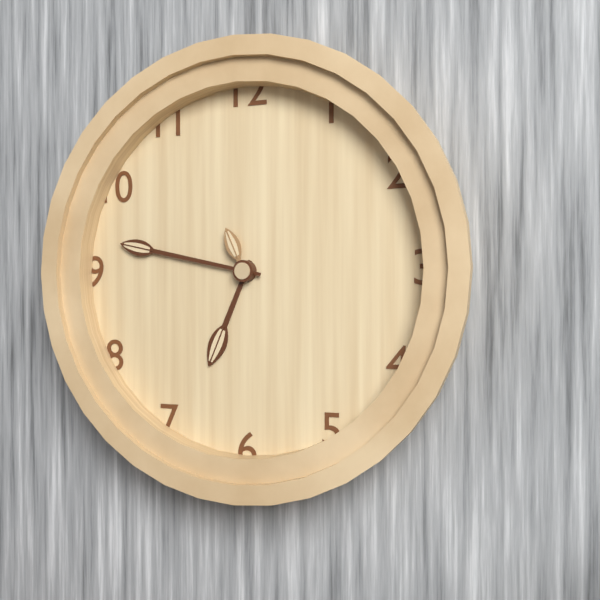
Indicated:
h=6 m=47 s=56
